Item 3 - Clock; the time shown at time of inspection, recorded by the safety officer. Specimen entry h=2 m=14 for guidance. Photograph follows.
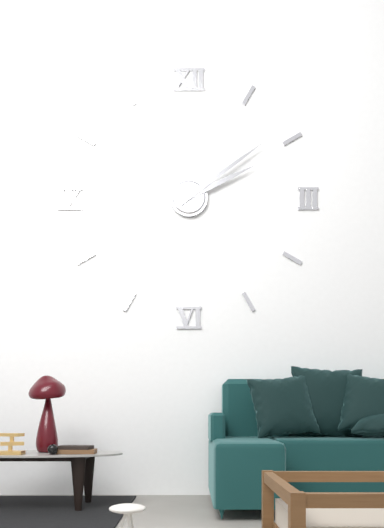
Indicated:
h=2 m=9
